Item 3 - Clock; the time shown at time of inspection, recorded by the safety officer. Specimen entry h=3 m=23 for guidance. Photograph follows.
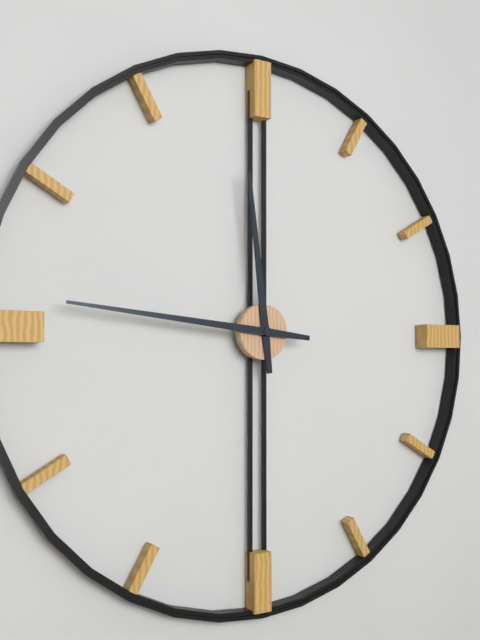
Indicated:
h=11 m=46
